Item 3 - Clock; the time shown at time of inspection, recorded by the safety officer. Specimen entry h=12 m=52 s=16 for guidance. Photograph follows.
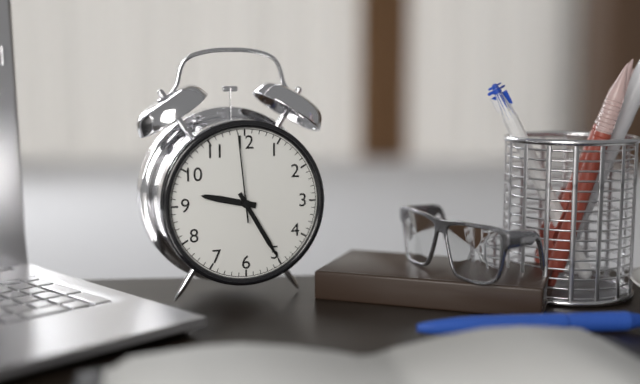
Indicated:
h=9 m=25 s=59
